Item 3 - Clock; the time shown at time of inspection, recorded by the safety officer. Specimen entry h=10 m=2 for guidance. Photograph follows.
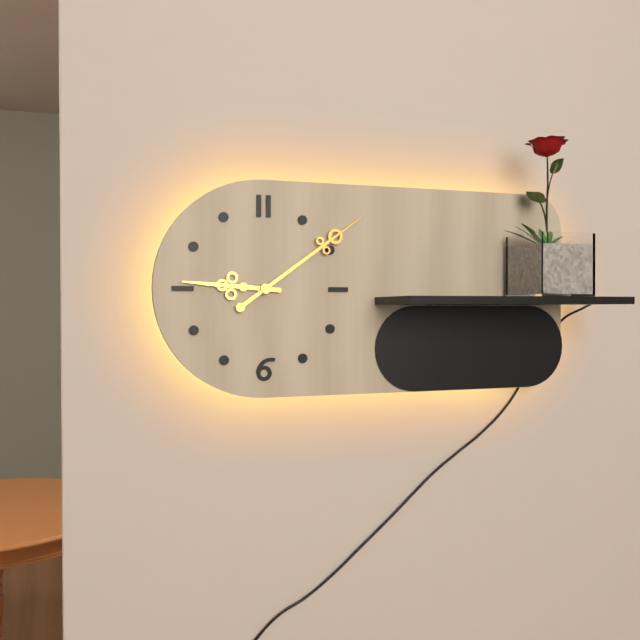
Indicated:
h=9 m=9
